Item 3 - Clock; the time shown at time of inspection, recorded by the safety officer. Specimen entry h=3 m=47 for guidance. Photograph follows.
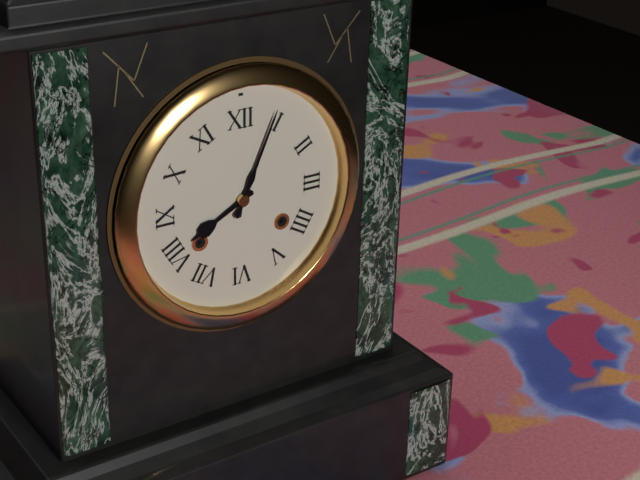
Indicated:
h=8 m=4
